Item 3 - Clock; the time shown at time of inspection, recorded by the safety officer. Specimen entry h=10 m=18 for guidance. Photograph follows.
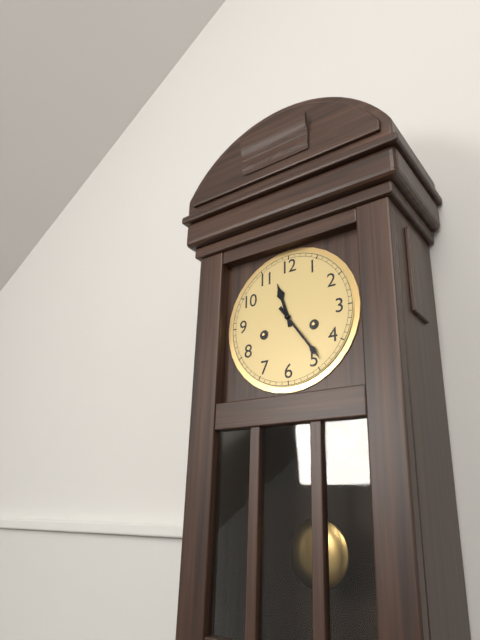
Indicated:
h=11 m=24
